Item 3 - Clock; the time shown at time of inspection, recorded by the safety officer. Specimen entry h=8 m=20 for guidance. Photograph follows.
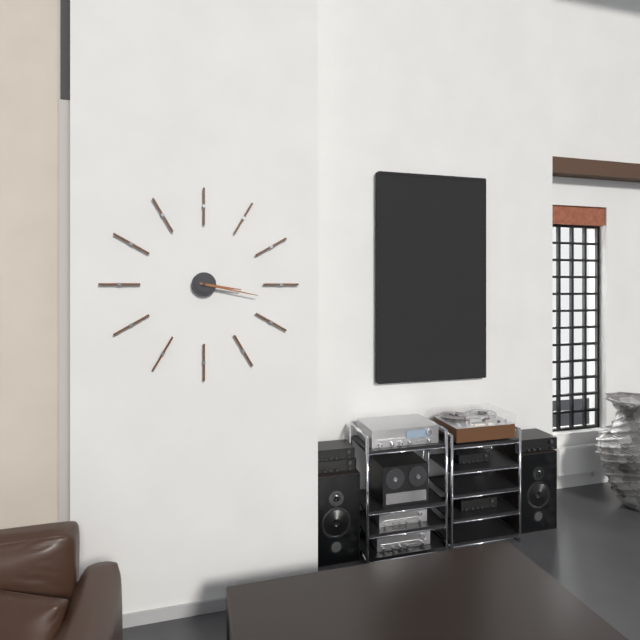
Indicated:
h=3 m=17
